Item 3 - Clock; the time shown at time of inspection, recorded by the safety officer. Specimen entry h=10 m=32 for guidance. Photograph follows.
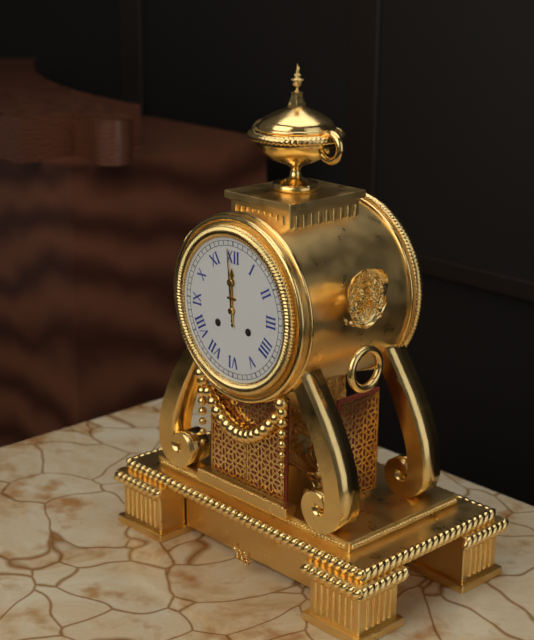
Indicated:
h=11 m=59
